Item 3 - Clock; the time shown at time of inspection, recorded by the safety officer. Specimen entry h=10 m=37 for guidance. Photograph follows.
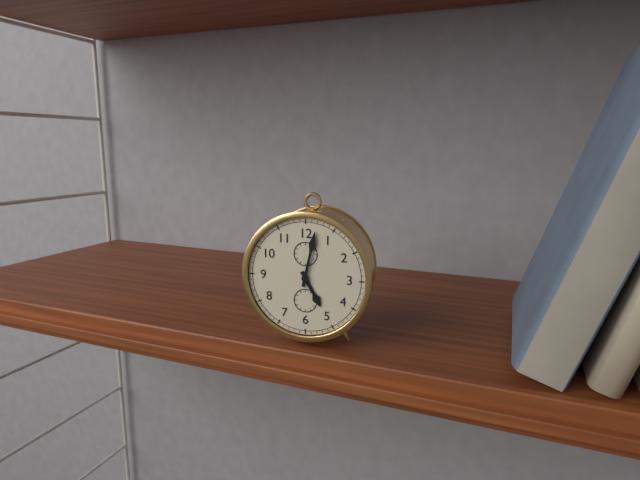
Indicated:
h=5 m=2
